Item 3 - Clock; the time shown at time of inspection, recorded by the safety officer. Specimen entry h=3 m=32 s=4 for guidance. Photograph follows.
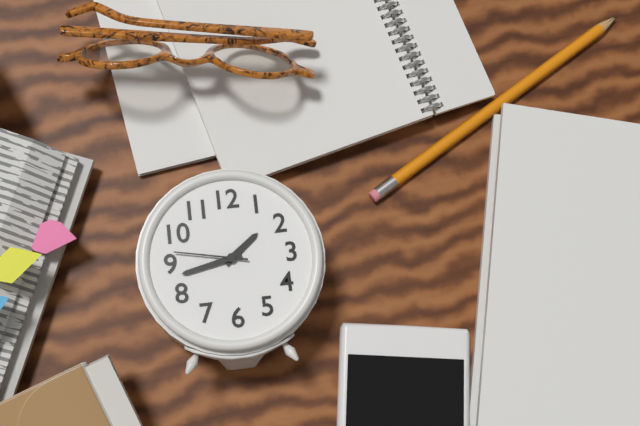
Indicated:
h=1 m=43 s=47
